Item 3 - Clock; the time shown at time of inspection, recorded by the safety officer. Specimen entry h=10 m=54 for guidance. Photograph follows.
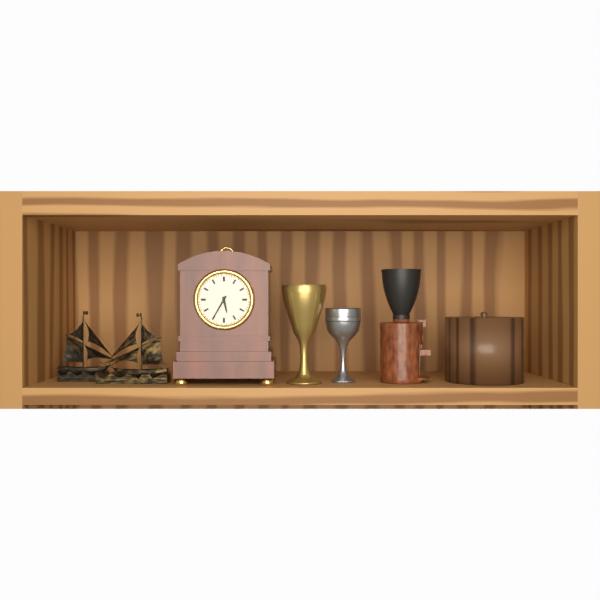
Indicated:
h=5 m=35
